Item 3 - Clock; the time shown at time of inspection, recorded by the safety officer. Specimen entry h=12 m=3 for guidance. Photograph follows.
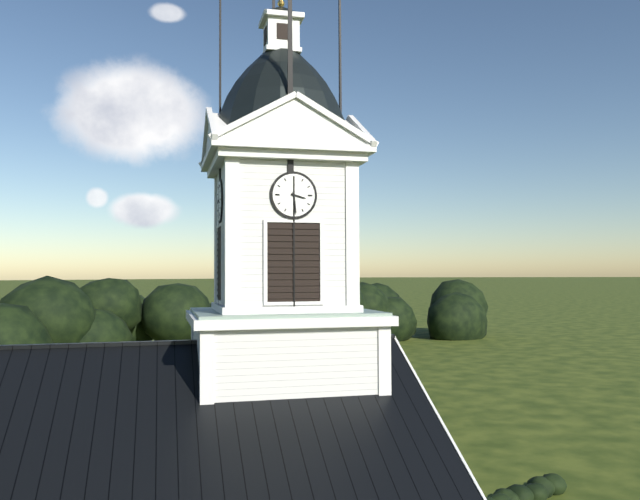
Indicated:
h=3 m=29
